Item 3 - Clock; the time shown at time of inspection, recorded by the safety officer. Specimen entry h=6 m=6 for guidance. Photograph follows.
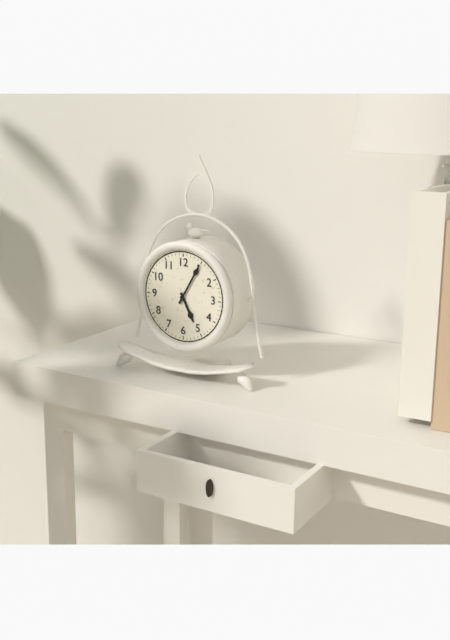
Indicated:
h=5 m=5
